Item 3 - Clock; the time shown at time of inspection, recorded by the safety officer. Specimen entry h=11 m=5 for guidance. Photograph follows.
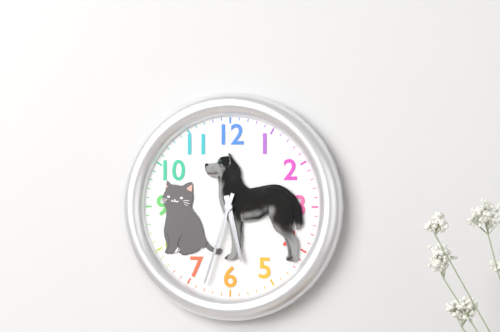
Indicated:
h=5 m=33
